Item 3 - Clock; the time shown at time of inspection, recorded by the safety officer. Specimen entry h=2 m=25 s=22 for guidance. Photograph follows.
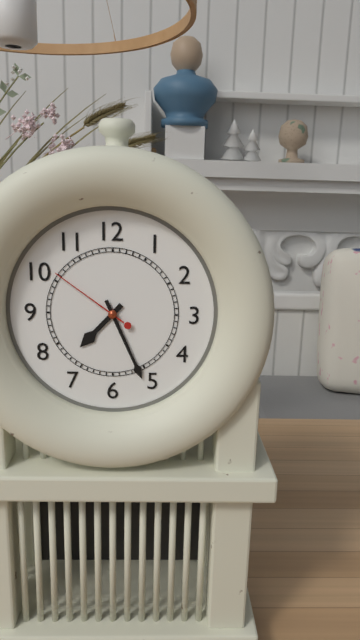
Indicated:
h=7 m=26 s=51
